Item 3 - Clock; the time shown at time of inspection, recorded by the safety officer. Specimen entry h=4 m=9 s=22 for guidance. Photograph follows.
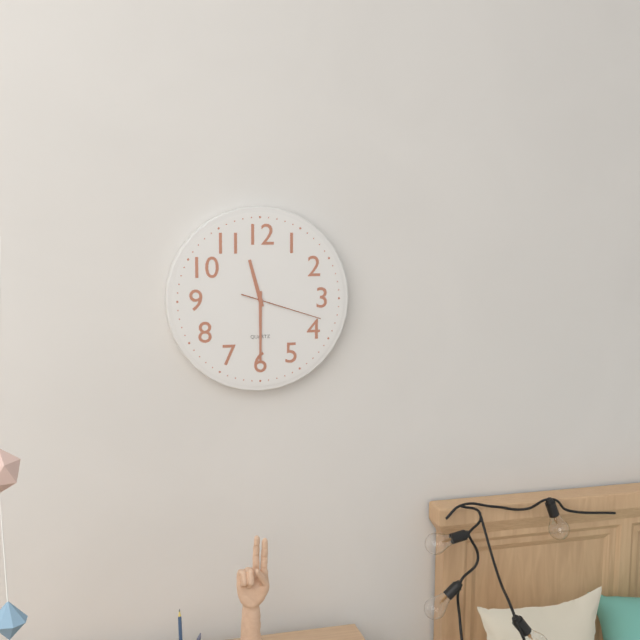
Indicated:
h=11 m=30 s=18
